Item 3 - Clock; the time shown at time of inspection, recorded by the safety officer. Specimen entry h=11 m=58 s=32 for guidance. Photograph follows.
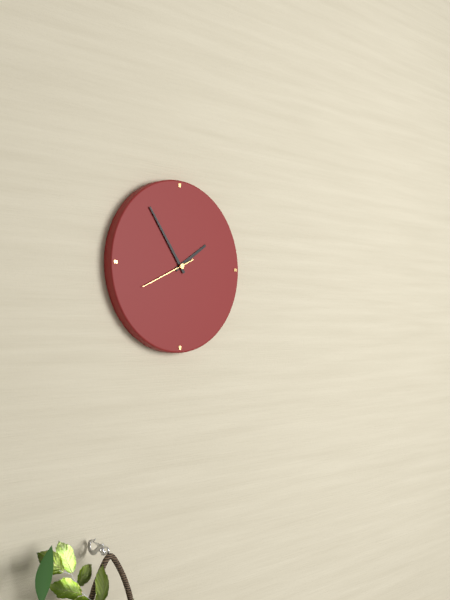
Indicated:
h=1 m=54 s=41
